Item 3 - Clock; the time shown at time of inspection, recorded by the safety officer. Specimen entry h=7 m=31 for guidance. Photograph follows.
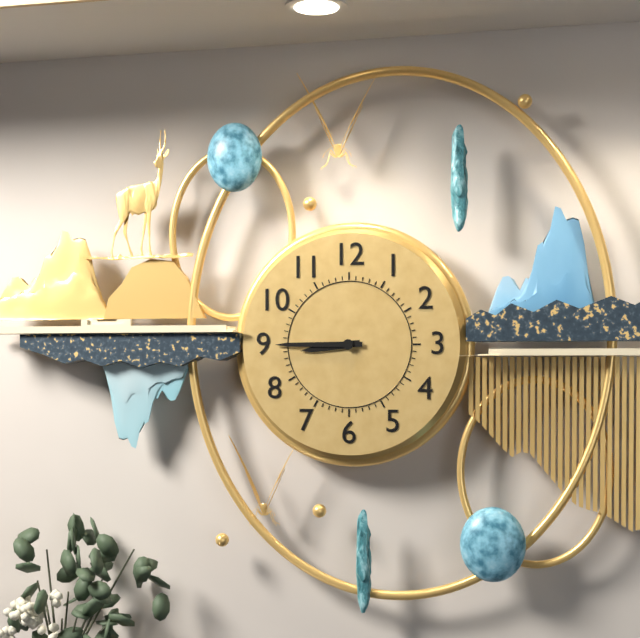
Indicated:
h=8 m=45
